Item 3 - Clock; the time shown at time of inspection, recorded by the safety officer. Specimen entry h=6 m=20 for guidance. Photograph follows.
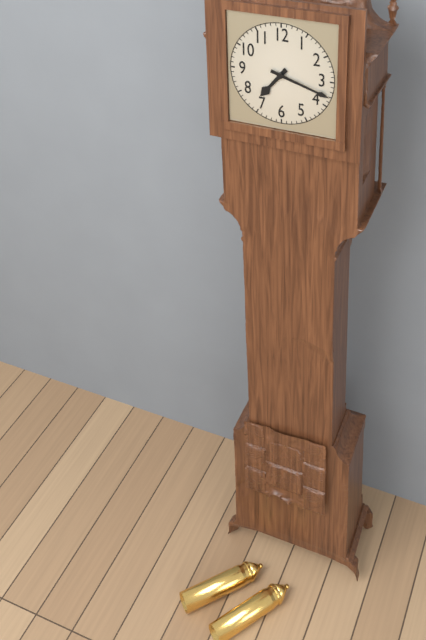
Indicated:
h=7 m=18
